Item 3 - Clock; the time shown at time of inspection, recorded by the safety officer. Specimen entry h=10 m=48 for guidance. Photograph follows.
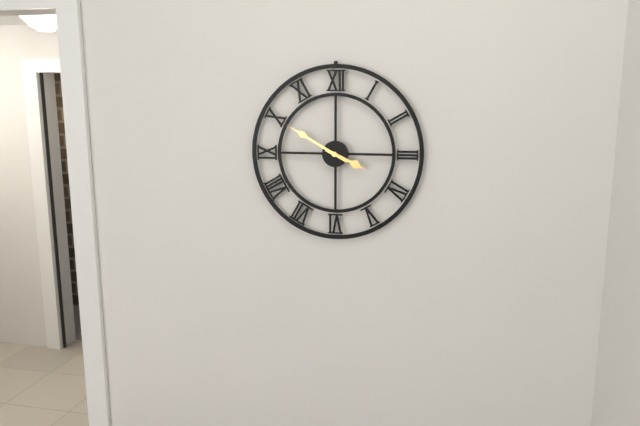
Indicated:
h=3 m=50
